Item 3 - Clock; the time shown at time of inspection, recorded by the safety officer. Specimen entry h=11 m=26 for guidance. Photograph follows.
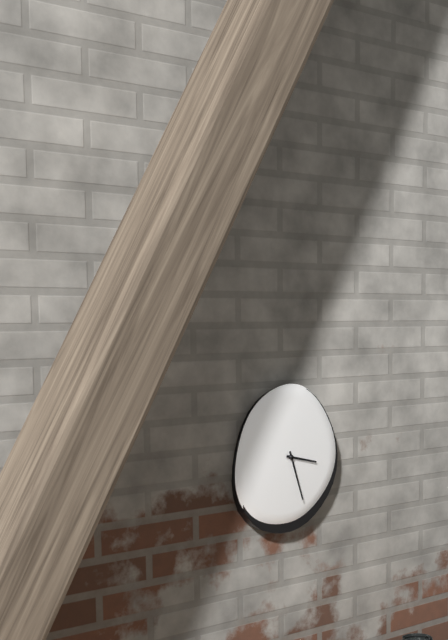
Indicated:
h=3 m=27
